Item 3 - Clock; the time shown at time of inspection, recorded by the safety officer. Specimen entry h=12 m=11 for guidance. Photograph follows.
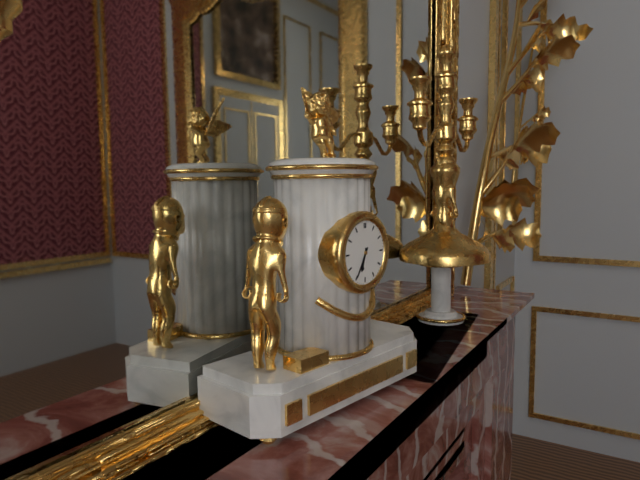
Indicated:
h=6 m=35
